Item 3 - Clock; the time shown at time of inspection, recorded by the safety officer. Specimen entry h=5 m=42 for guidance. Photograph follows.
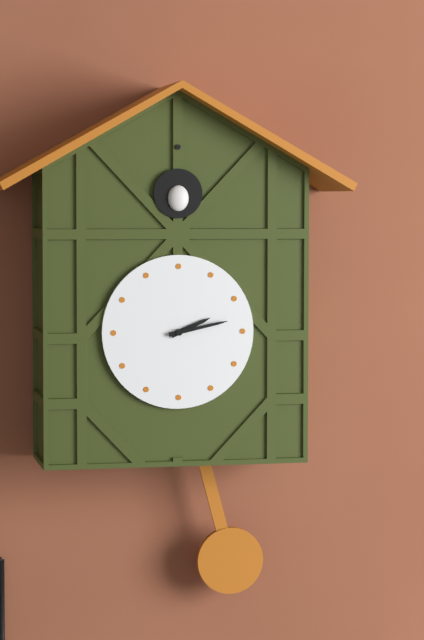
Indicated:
h=2 m=13
